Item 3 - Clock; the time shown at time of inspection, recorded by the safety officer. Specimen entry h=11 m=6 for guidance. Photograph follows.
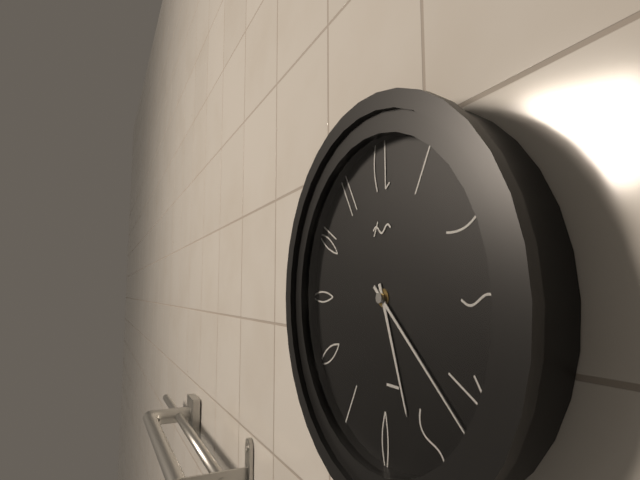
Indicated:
h=5 m=22
